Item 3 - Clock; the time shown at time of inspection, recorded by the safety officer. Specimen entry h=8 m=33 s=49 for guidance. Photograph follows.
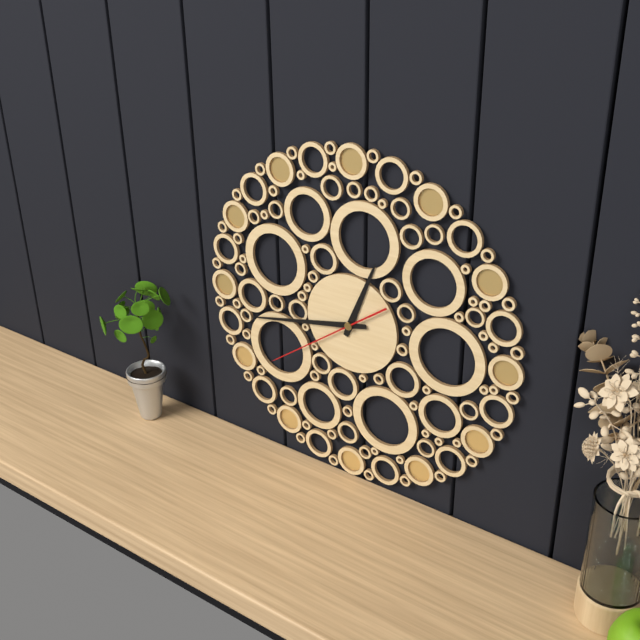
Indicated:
h=12 m=43 s=39
